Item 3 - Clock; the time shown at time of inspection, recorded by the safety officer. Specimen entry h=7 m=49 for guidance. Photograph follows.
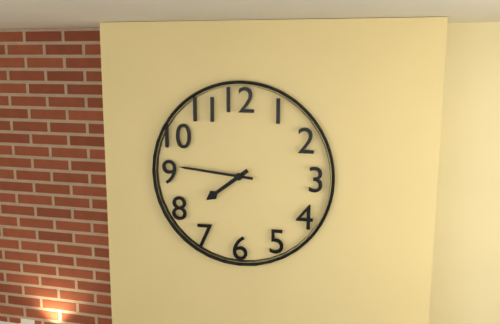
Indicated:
h=7 m=46
